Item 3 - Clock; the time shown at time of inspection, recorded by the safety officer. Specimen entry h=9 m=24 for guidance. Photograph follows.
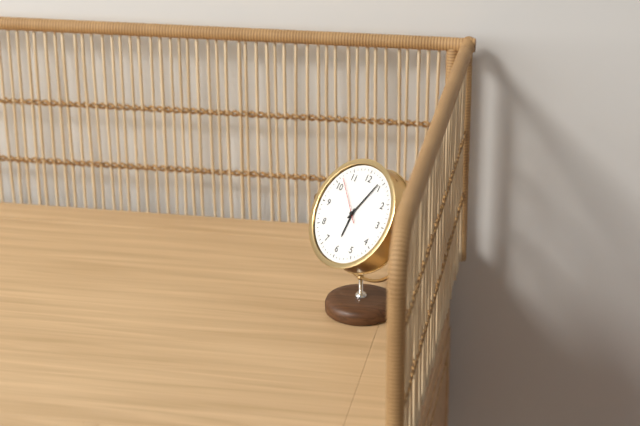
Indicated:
h=6 m=4
